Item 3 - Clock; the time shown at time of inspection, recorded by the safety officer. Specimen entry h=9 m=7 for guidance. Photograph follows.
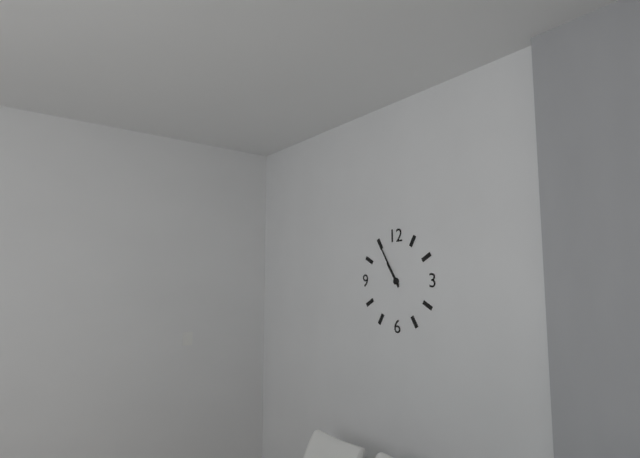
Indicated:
h=10 m=55
